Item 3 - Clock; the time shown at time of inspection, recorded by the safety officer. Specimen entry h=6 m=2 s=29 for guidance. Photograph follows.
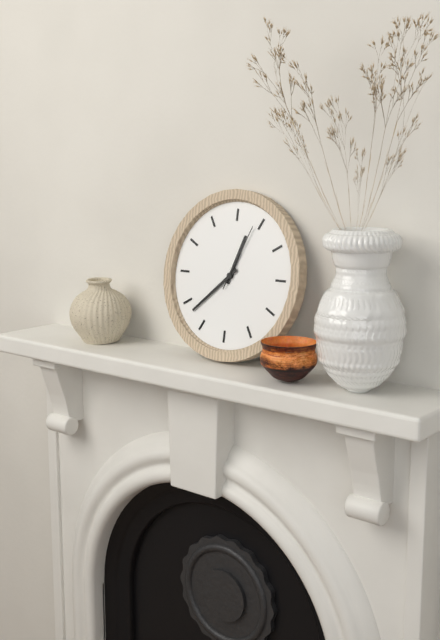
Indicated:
h=12 m=38 s=4
